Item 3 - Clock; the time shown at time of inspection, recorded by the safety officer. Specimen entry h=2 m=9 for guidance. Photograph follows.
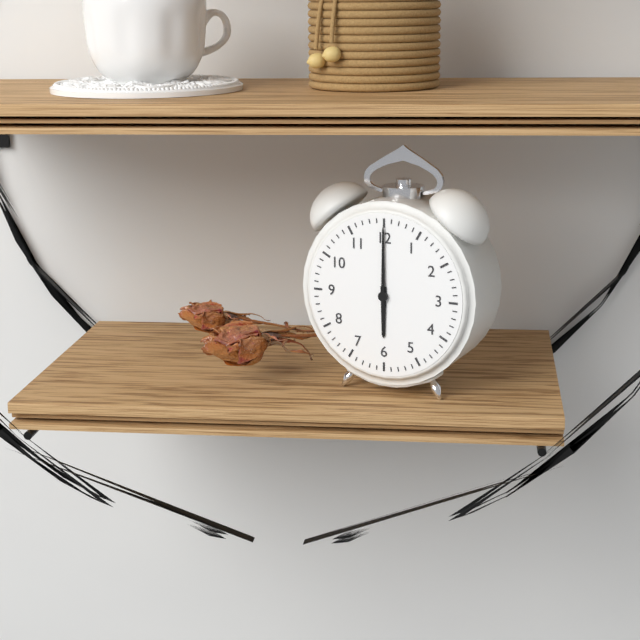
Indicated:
h=6 m=0
